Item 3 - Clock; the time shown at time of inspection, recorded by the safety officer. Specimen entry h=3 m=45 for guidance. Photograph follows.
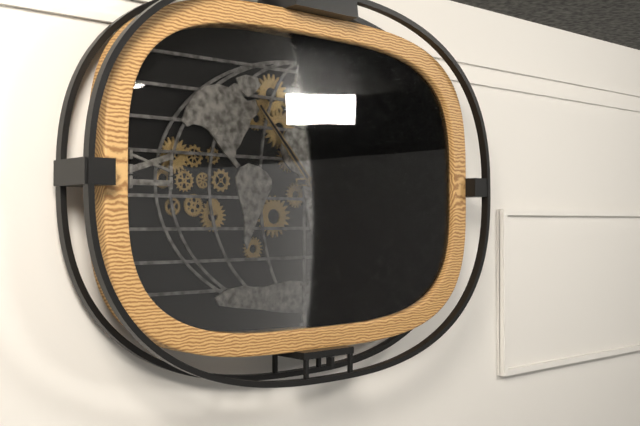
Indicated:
h=2 m=53
